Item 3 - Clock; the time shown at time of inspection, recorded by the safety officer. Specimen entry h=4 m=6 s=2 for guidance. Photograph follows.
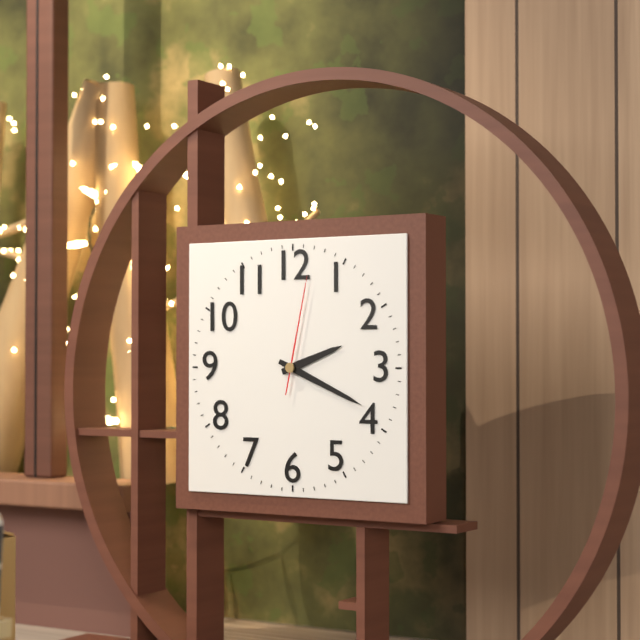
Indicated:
h=2 m=19 s=2
